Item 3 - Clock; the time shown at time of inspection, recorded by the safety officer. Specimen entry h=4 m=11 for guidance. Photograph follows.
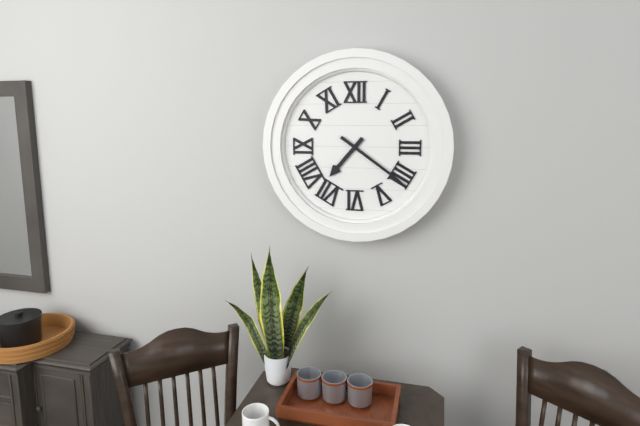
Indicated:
h=7 m=21
